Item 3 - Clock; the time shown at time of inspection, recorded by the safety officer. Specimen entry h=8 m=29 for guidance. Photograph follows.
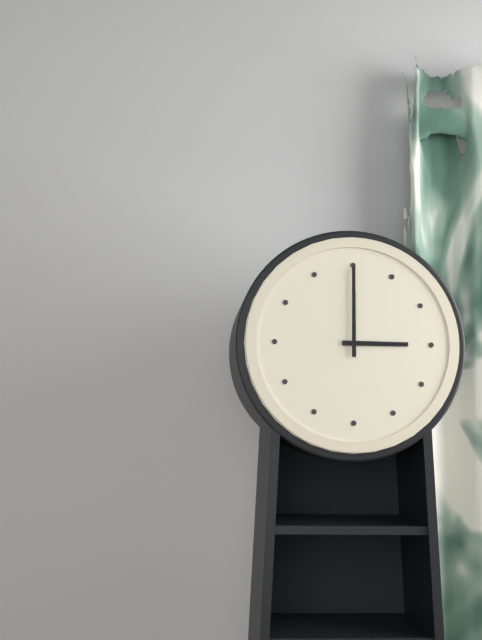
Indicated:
h=3 m=0
